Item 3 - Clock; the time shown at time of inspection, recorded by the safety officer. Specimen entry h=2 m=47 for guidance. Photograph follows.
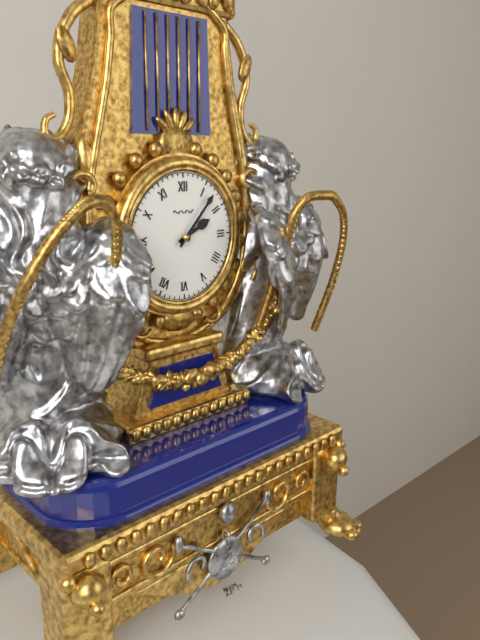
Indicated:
h=2 m=7
